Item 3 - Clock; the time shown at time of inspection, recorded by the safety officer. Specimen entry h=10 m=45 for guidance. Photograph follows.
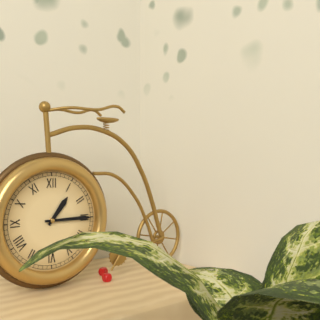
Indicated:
h=1 m=15
